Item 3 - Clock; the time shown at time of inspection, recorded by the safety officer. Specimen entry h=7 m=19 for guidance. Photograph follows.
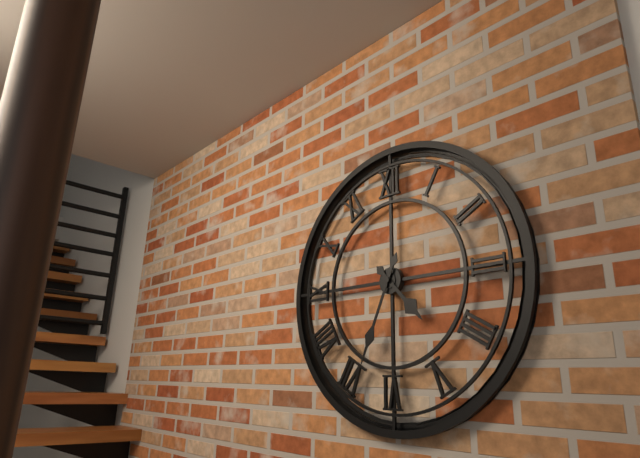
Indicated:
h=4 m=34
